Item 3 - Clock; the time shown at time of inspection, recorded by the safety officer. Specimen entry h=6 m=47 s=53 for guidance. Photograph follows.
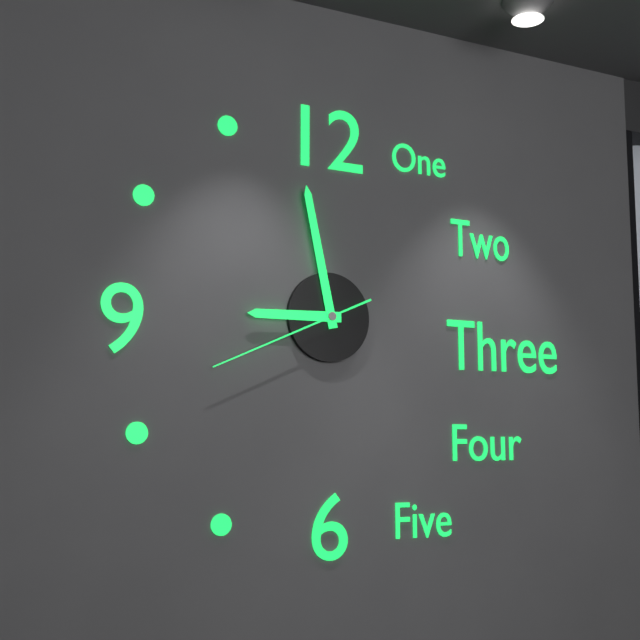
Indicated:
h=8 m=58 s=41
